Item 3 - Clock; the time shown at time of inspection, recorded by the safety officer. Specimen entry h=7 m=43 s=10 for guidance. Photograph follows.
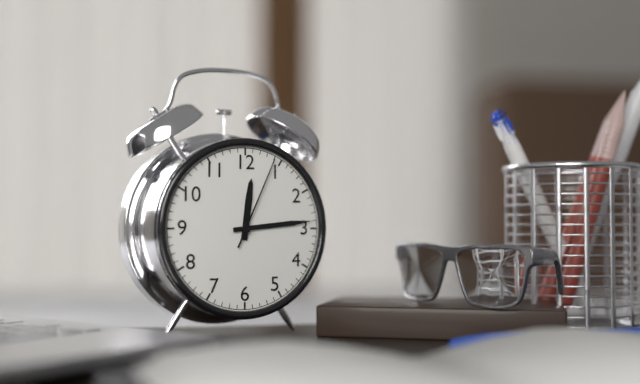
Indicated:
h=12 m=14 s=4
